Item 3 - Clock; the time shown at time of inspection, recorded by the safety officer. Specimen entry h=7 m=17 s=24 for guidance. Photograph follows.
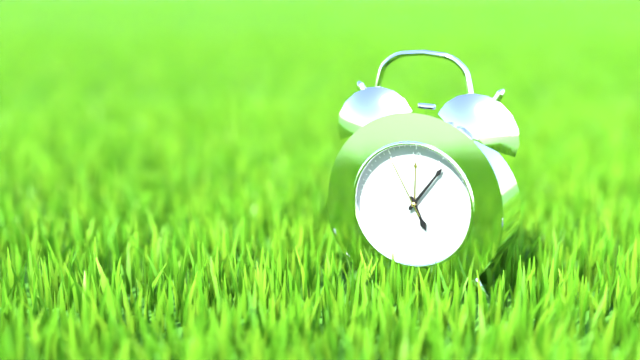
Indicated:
h=5 m=6 s=55
